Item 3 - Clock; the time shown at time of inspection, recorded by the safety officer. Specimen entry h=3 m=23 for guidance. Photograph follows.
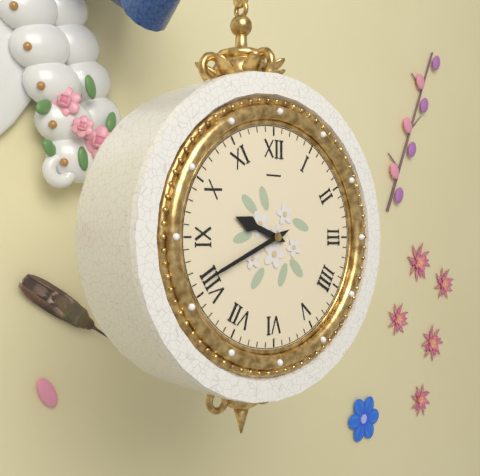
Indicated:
h=9 m=41
